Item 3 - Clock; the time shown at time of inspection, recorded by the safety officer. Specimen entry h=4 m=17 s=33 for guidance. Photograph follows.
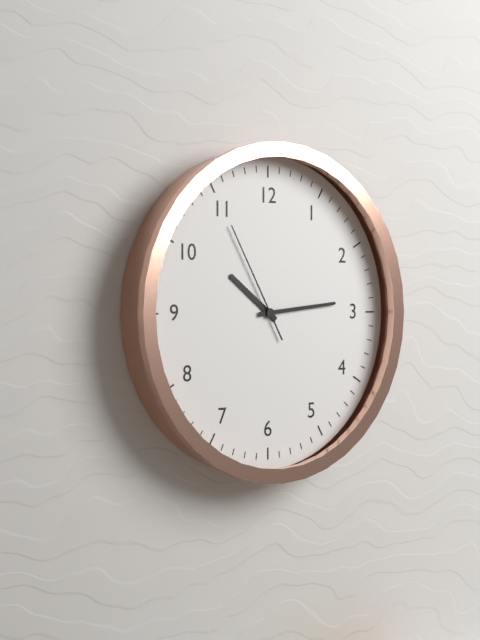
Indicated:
h=10 m=14 s=55
